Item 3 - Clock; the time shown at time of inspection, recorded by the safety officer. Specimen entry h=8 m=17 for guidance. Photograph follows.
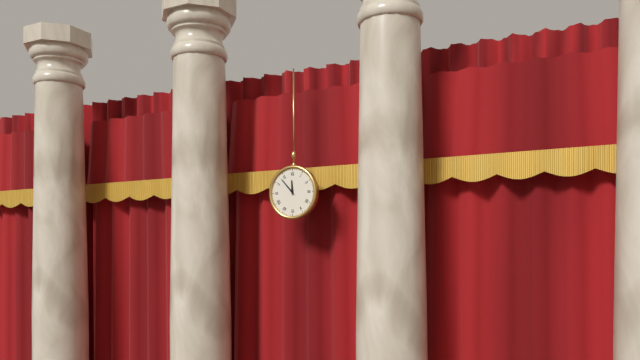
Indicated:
h=11 m=53
